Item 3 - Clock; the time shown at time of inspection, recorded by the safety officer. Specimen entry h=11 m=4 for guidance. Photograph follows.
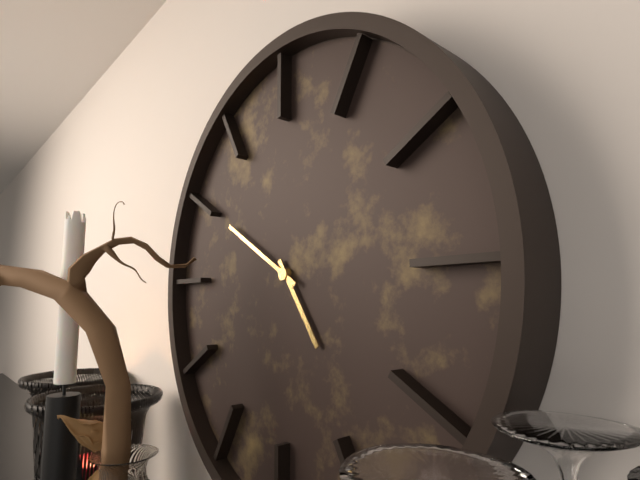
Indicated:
h=4 m=50
